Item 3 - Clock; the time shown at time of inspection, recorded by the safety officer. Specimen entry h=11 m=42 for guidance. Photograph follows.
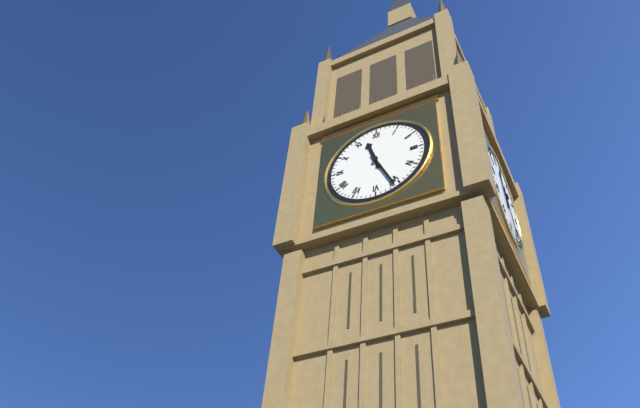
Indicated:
h=11 m=26
